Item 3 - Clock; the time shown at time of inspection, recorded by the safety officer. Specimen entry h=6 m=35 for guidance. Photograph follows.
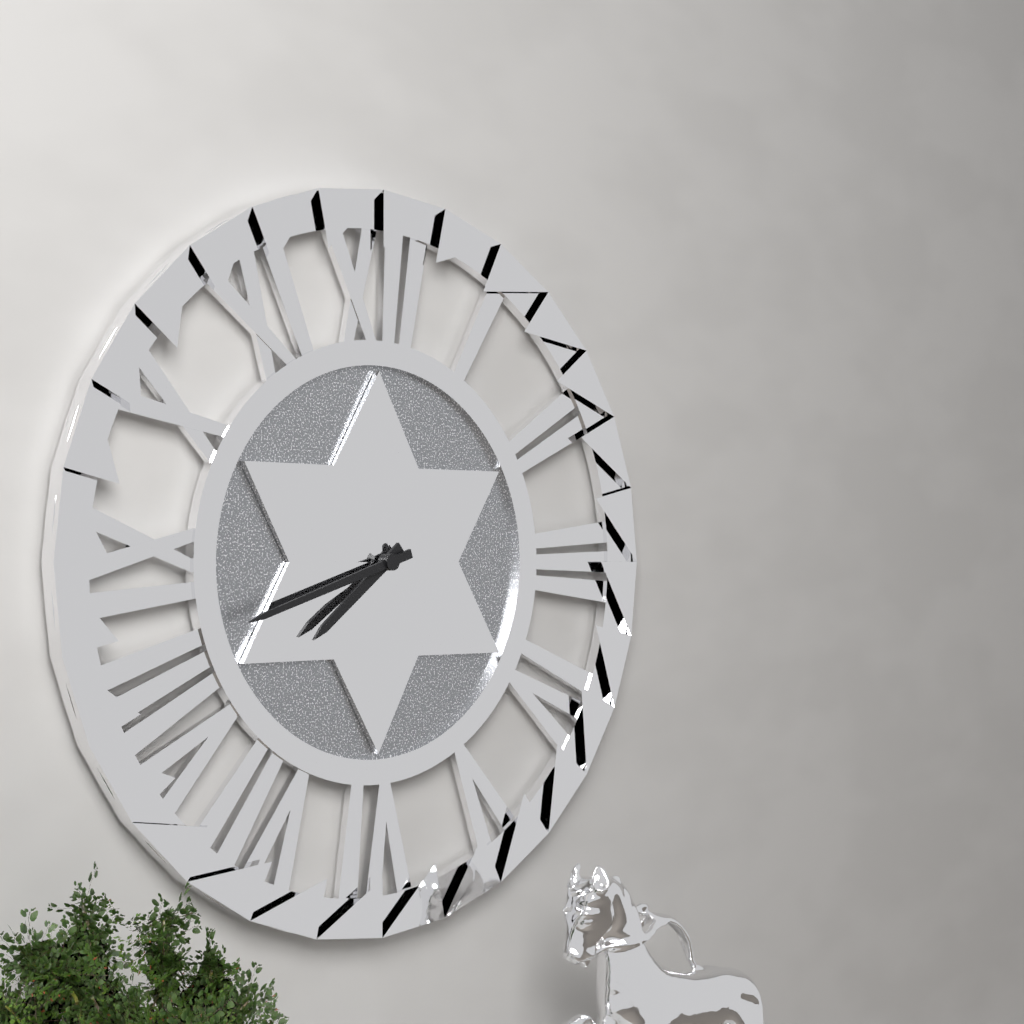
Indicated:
h=7 m=42
